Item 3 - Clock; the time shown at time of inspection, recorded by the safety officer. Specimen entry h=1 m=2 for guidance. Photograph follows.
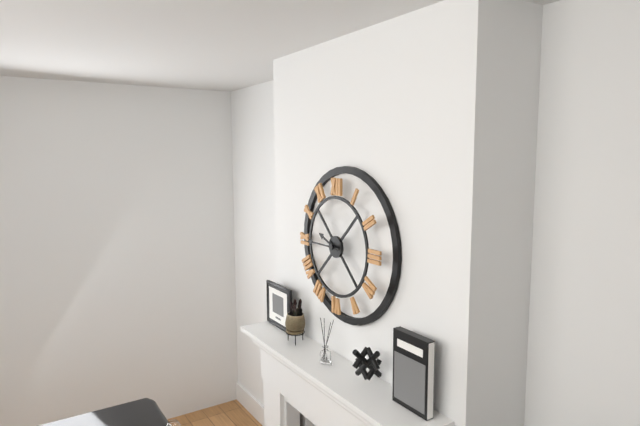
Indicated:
h=9 m=45
